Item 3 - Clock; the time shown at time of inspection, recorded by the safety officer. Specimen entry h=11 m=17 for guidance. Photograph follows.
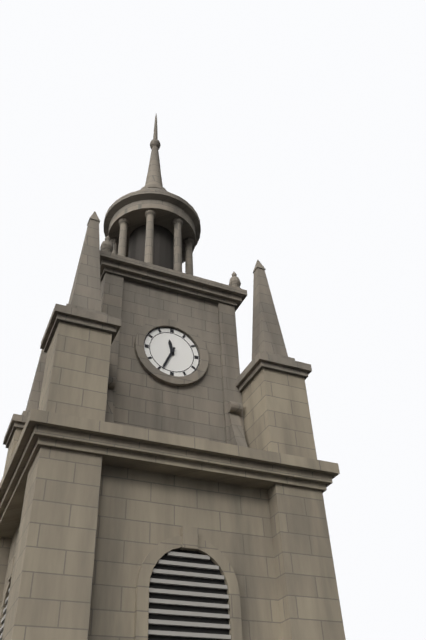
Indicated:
h=11 m=34
